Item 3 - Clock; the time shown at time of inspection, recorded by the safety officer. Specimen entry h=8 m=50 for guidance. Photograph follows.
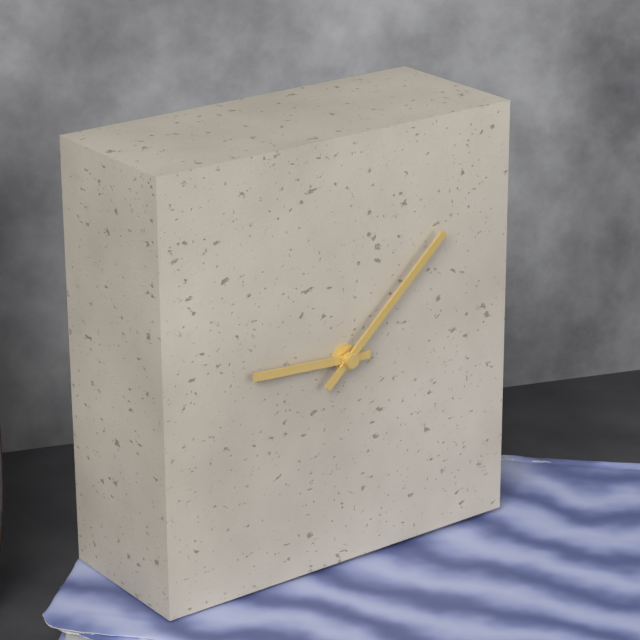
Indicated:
h=9 m=8
